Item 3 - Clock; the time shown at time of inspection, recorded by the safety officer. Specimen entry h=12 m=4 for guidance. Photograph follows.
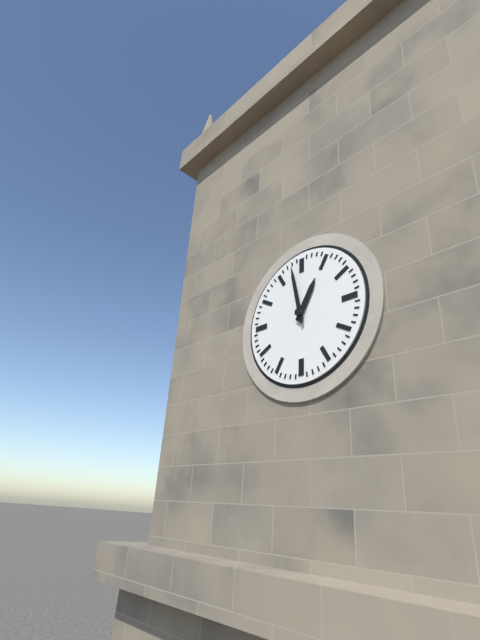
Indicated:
h=12 m=58
